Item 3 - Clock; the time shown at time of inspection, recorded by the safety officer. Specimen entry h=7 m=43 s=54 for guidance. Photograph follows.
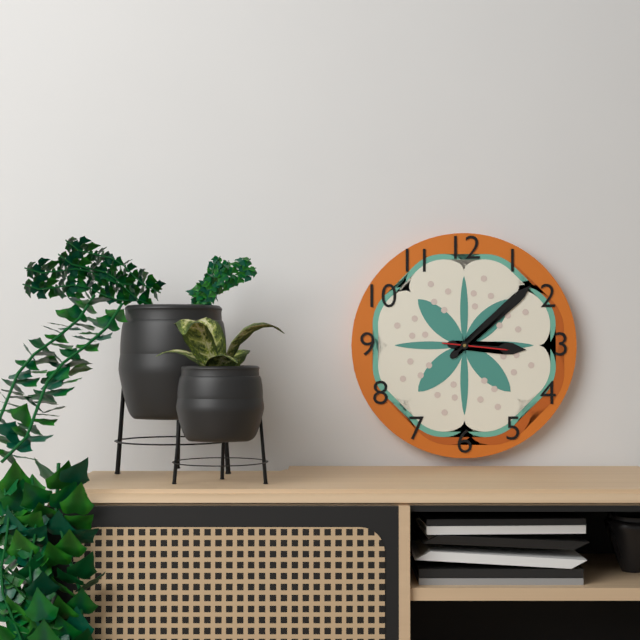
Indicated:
h=3 m=8 s=16
